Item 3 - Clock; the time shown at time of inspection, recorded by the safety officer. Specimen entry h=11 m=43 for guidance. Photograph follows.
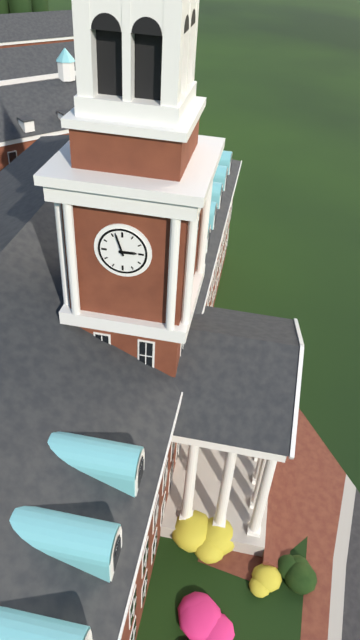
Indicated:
h=2 m=57
